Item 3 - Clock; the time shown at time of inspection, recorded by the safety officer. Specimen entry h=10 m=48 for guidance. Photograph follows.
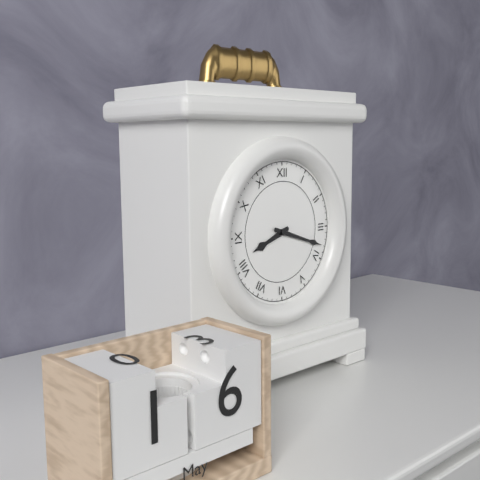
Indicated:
h=8 m=18
